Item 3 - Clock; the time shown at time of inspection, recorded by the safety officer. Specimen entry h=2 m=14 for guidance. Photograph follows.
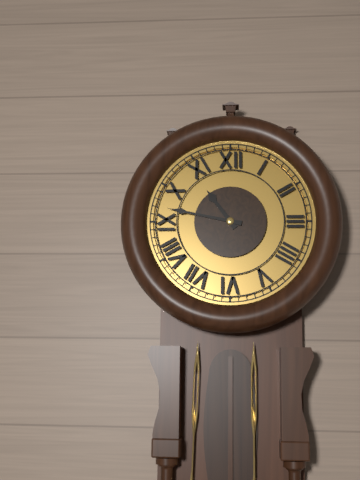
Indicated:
h=10 m=47
